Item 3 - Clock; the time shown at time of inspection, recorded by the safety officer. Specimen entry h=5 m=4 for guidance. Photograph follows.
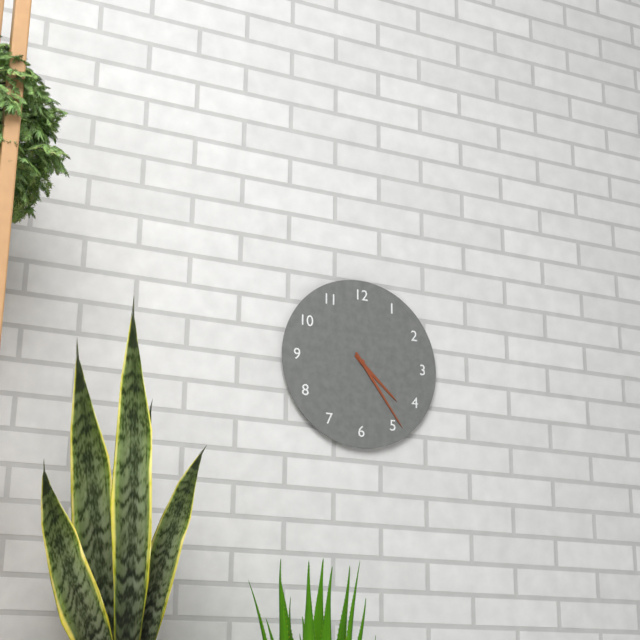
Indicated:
h=4 m=24
